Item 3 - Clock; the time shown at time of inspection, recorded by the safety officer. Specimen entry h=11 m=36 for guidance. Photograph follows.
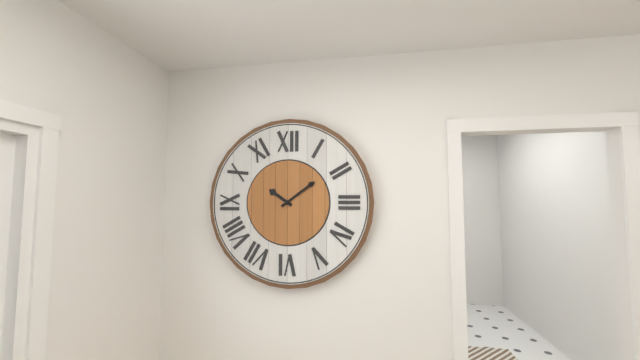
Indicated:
h=10 m=9
